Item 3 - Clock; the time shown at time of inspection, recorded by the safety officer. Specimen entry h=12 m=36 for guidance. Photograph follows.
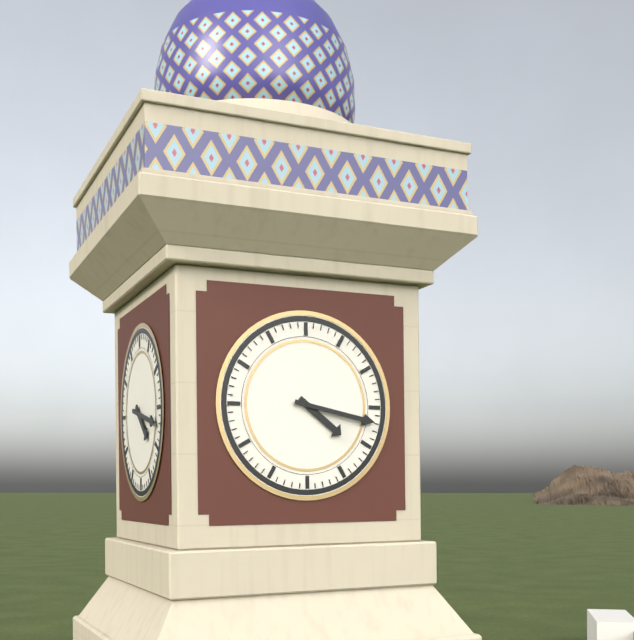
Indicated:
h=4 m=17
